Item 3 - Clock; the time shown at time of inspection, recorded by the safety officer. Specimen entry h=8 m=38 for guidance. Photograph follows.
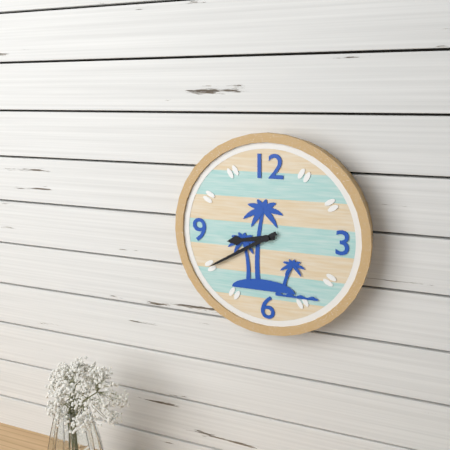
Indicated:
h=8 m=40
